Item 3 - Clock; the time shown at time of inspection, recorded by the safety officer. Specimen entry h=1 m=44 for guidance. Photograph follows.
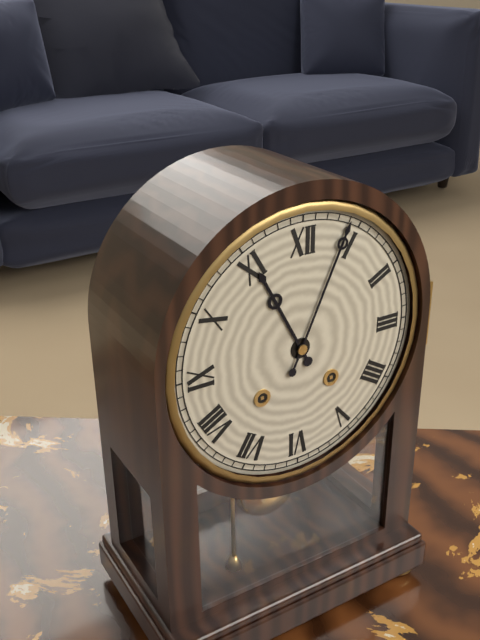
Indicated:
h=11 m=4
